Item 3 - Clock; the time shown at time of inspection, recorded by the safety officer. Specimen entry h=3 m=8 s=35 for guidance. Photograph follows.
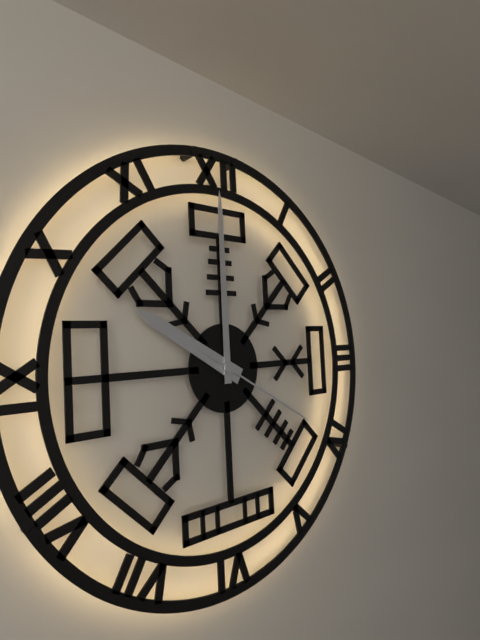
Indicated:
h=10 m=0 s=20
